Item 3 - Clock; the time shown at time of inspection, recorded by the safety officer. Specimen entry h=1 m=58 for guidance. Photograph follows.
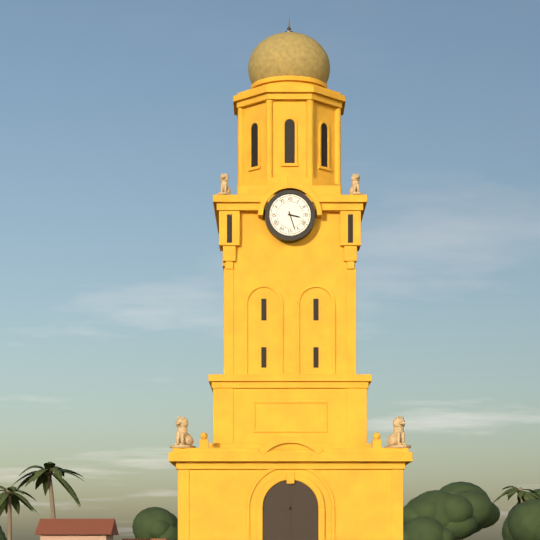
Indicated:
h=3 m=27
